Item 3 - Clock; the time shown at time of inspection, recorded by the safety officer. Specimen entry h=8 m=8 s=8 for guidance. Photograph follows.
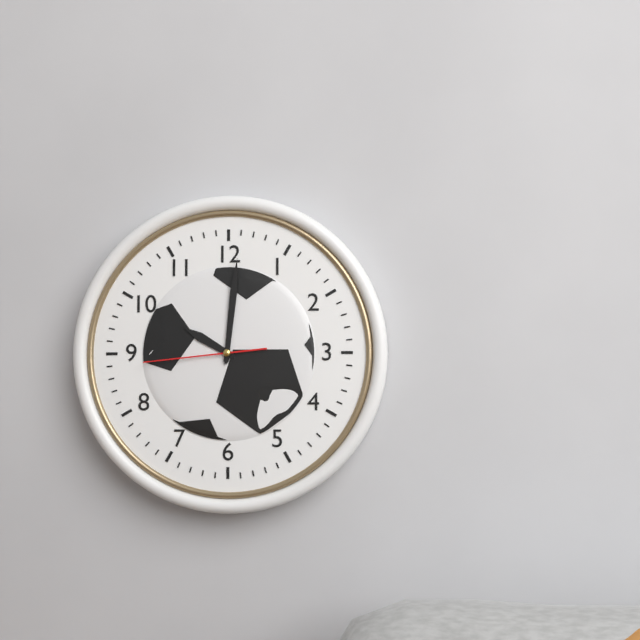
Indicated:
h=10 m=1 s=44
